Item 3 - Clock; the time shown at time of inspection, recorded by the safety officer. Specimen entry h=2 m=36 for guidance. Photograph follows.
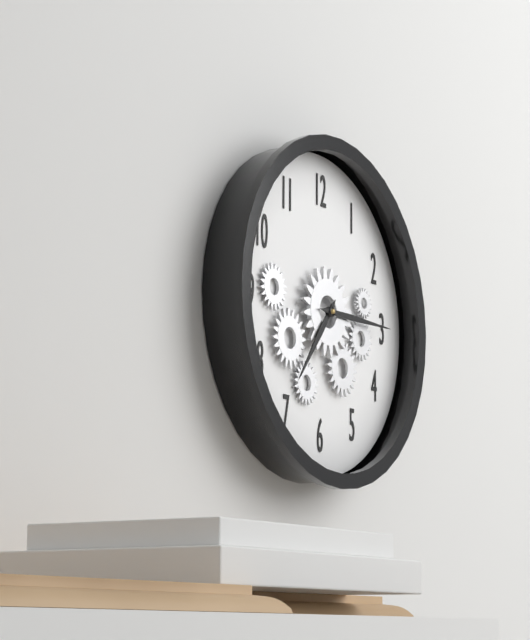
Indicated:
h=7 m=15
